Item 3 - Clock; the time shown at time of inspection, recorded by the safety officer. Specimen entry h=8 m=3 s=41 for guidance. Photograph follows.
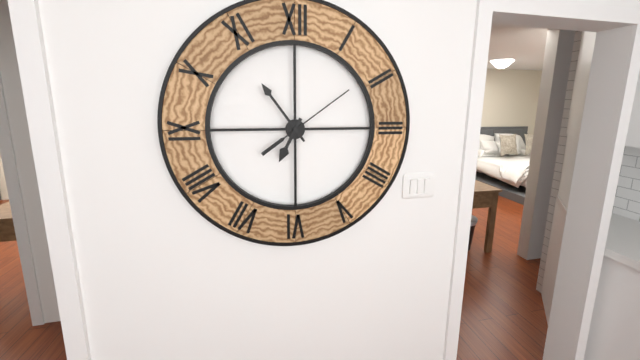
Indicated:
h=6 m=54 s=9
